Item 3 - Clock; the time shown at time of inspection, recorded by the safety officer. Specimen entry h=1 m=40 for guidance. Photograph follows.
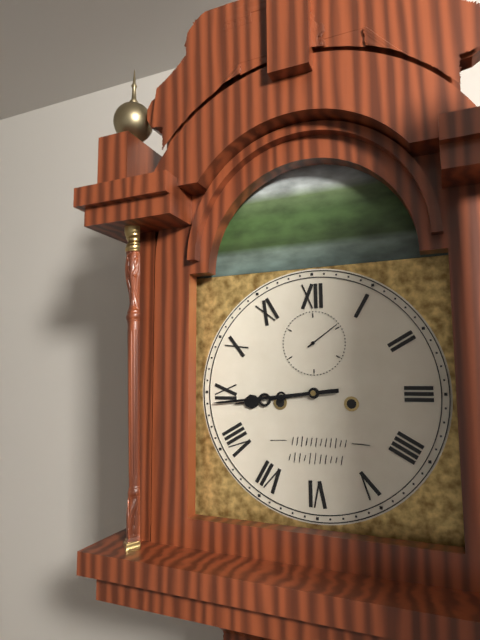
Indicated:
h=8 m=44
